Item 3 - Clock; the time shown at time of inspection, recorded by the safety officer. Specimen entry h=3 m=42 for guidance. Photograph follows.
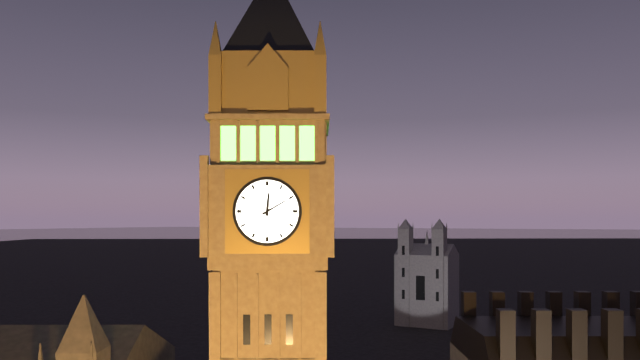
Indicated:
h=12 m=10
